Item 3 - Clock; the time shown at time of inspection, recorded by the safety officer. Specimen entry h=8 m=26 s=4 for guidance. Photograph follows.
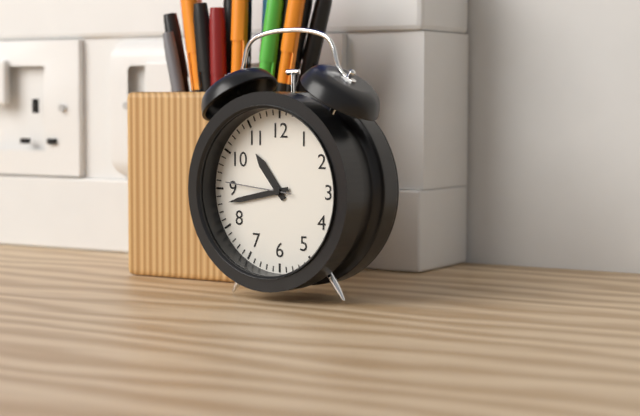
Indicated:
h=10 m=43 s=46
